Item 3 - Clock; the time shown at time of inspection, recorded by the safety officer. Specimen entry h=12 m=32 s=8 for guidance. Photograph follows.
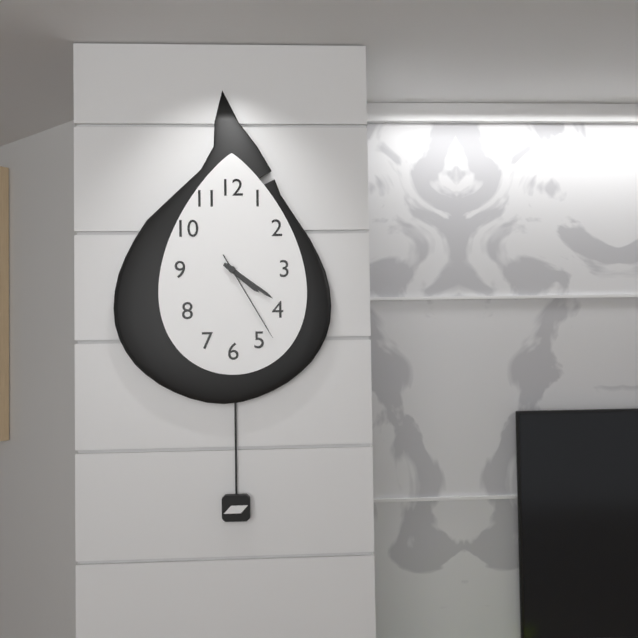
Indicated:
h=4 m=21 s=25
